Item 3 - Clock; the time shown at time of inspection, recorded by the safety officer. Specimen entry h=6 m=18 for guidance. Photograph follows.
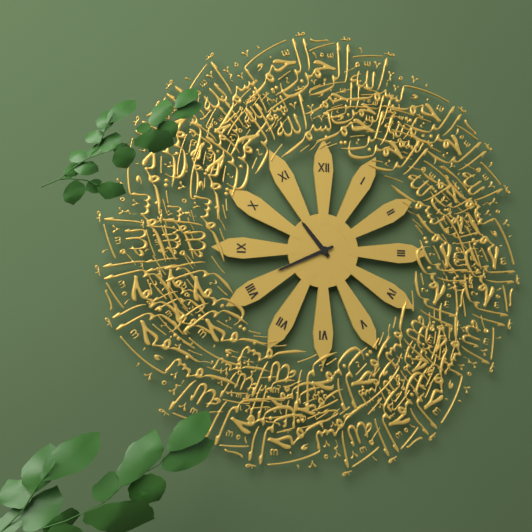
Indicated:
h=10 m=41
